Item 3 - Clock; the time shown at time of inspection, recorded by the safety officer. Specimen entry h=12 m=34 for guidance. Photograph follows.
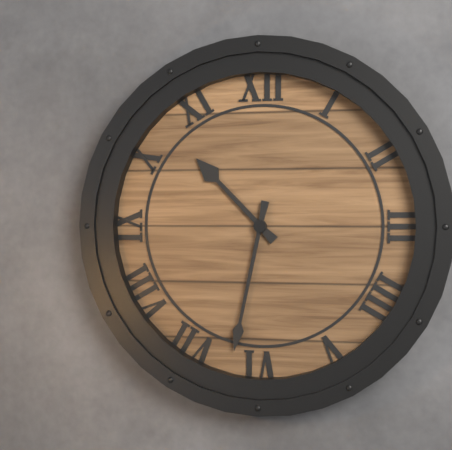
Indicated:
h=10 m=32
